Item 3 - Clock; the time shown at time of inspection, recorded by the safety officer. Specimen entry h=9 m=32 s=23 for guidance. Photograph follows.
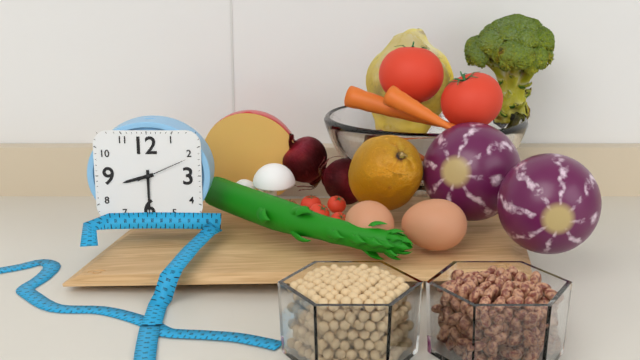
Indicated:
h=8 m=30 s=11
